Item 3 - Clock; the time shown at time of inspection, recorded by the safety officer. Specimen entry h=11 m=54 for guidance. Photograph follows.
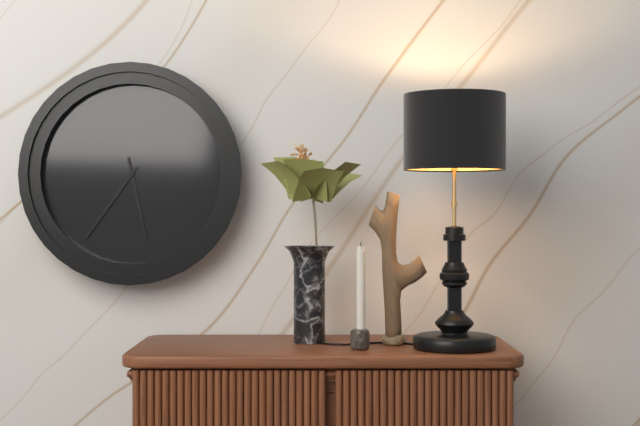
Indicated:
h=5 m=36
